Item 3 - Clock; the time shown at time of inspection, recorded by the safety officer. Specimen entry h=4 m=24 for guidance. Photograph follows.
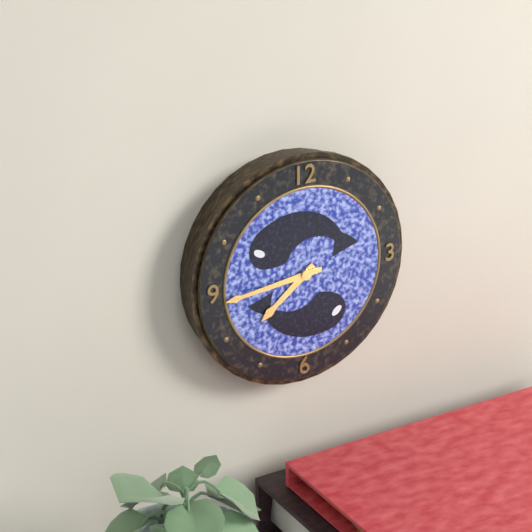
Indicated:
h=7 m=44
